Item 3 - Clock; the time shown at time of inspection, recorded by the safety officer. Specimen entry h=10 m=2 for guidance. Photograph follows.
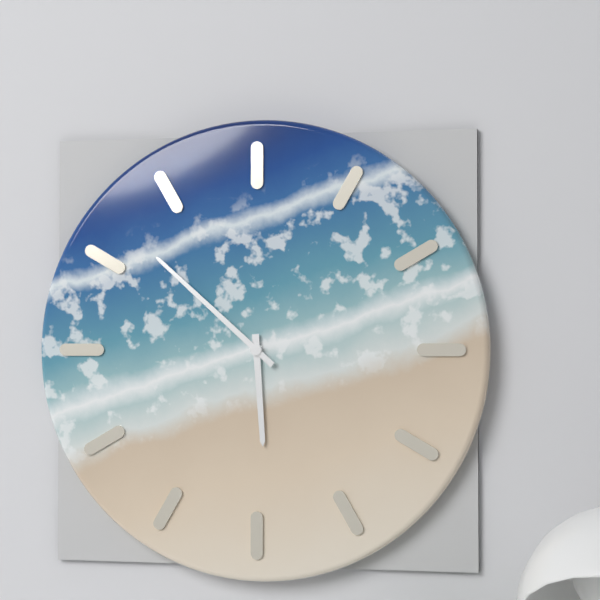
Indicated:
h=5 m=52
